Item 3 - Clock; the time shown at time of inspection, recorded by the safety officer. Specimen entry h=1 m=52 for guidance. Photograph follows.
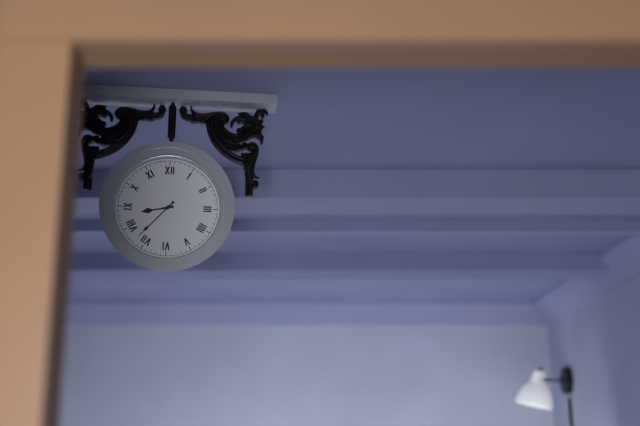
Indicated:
h=8 m=37
